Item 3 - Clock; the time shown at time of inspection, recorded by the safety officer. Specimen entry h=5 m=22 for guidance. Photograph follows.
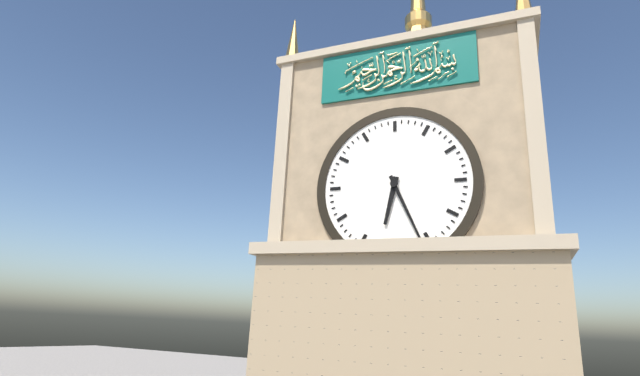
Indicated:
h=6 m=26
